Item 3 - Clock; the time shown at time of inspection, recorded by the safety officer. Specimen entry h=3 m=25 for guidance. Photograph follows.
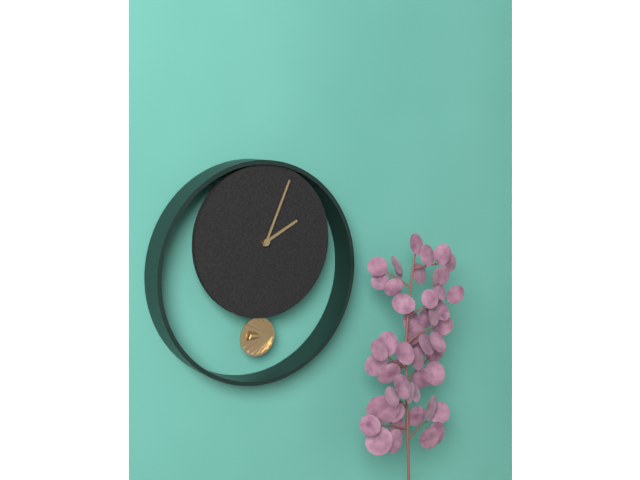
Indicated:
h=2 m=4
